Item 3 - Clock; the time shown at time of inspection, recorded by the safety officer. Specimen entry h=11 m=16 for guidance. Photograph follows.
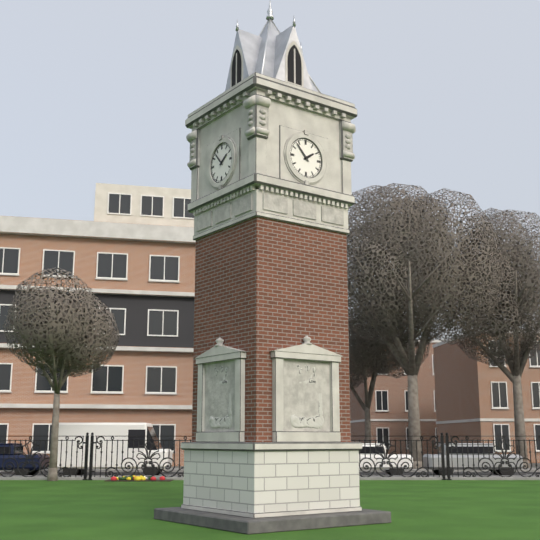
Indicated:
h=1 m=53
